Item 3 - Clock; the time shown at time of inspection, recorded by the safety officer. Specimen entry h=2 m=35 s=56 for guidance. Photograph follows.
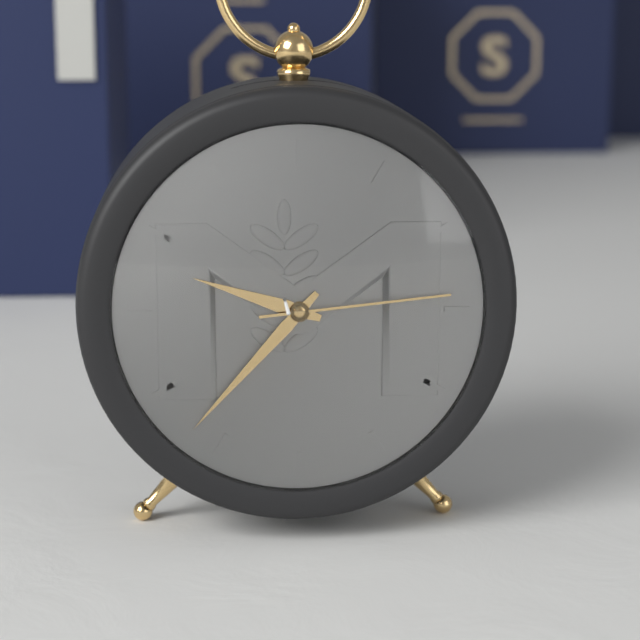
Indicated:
h=9 m=37 s=14
